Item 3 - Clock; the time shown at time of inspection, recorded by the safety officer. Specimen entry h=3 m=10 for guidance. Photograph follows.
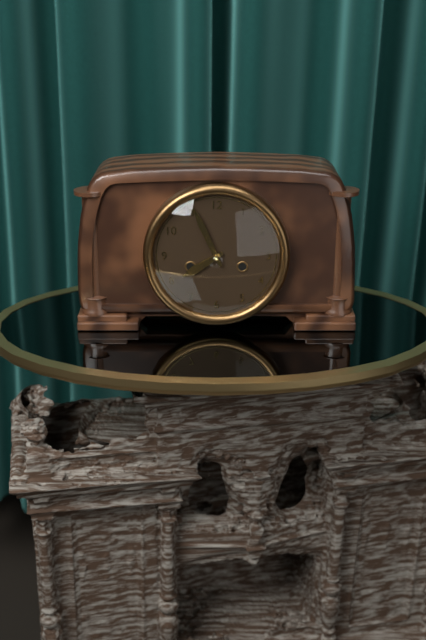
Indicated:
h=7 m=56
